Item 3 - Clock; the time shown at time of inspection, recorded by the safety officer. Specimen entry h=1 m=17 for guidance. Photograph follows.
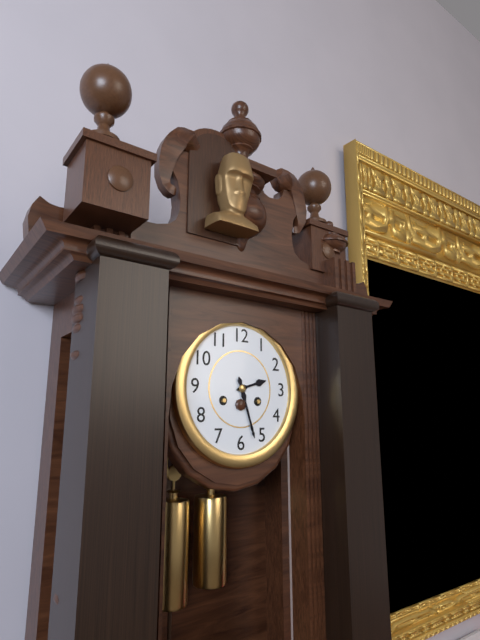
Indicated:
h=2 m=27
